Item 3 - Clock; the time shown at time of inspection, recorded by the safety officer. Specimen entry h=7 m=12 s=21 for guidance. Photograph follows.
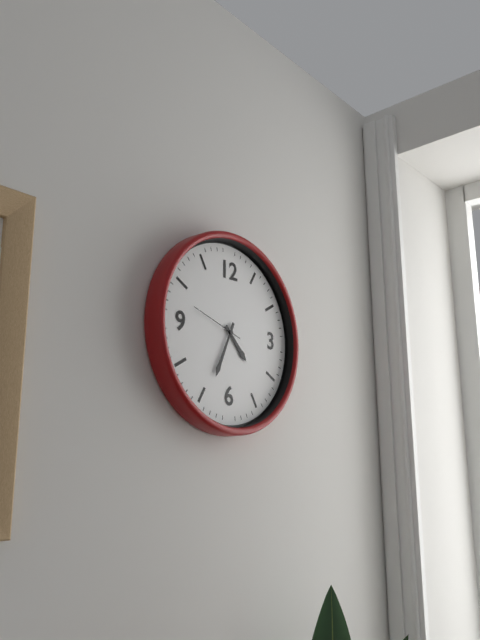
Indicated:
h=4 m=34 s=48
